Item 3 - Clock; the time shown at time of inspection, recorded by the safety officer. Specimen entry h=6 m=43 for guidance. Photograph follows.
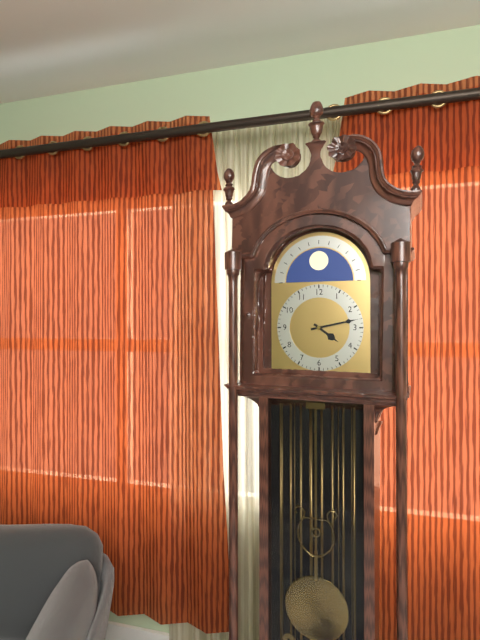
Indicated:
h=4 m=13
